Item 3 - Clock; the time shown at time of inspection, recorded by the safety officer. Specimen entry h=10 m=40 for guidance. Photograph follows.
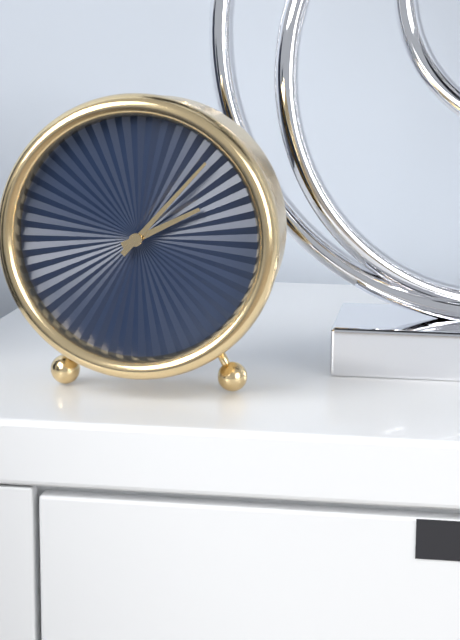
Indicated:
h=2 m=7
